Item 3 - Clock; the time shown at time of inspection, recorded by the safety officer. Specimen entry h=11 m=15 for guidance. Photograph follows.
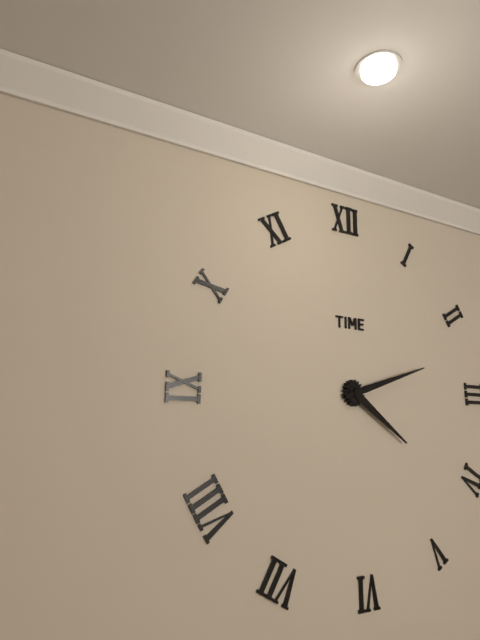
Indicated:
h=4 m=12
